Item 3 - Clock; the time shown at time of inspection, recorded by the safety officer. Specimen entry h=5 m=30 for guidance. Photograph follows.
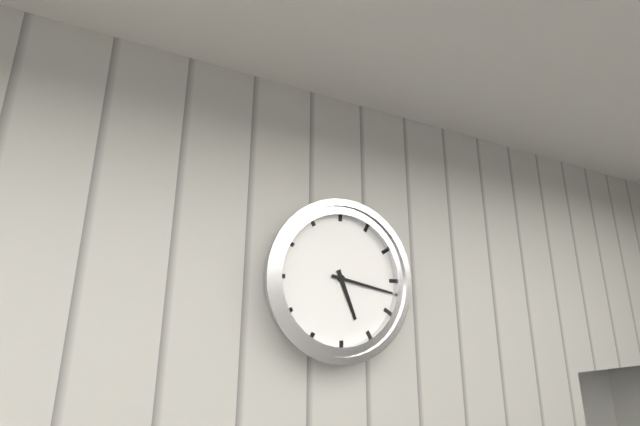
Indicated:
h=5 m=17
